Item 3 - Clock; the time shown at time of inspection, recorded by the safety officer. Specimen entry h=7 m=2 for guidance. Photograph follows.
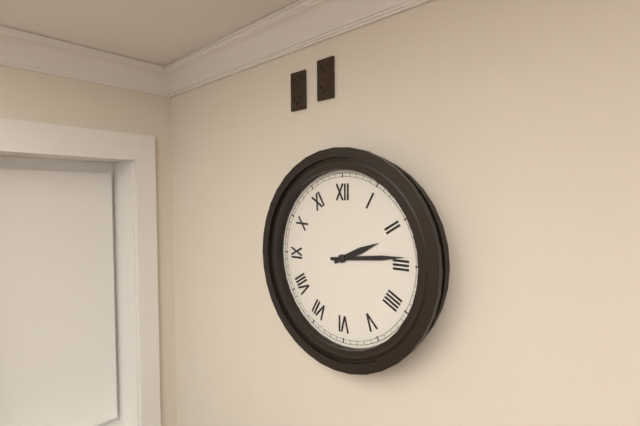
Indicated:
h=2 m=14
